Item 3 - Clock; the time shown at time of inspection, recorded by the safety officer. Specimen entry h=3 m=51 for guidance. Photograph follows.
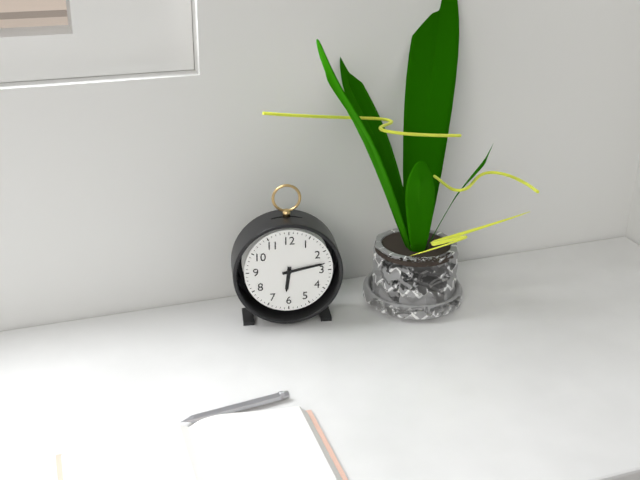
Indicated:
h=6 m=13
